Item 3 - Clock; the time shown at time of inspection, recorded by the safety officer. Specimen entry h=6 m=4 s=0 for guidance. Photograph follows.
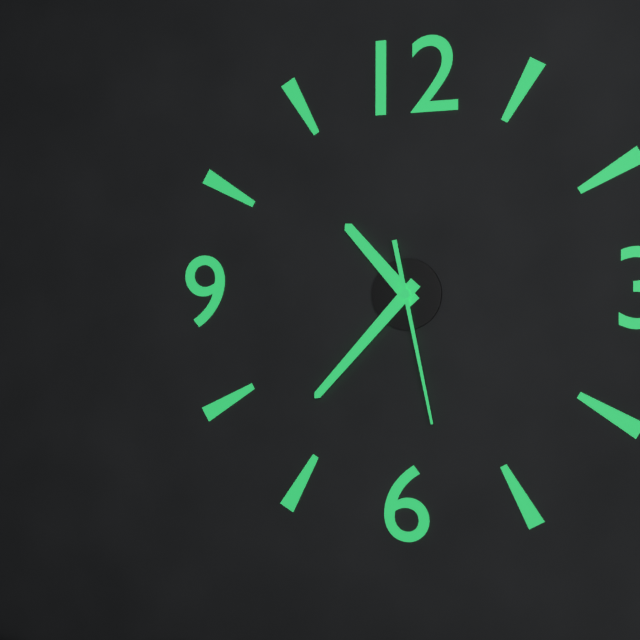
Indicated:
h=10 m=37 s=28
